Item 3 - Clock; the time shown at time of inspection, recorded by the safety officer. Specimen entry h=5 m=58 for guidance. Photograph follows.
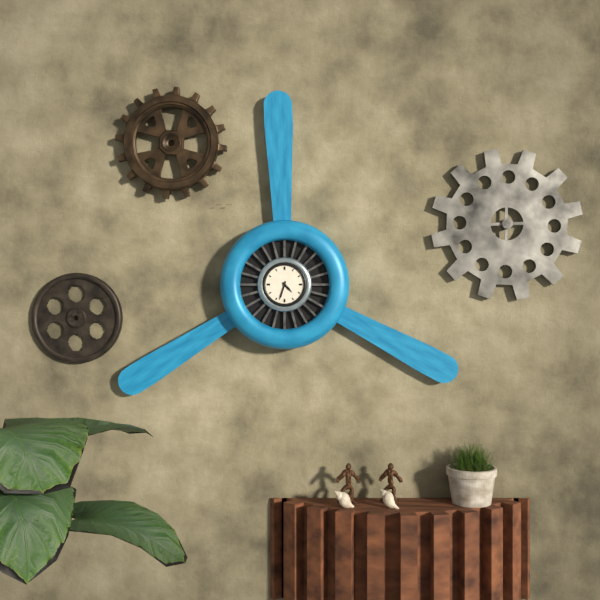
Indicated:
h=4 m=33
